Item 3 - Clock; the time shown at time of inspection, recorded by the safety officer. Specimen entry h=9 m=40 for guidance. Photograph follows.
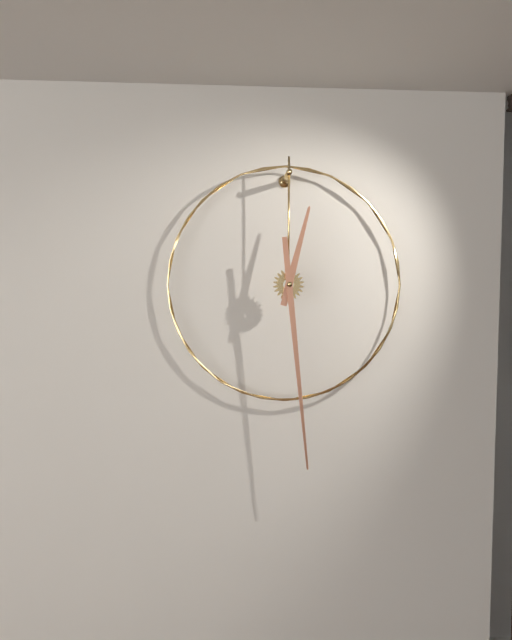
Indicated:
h=12 m=29
